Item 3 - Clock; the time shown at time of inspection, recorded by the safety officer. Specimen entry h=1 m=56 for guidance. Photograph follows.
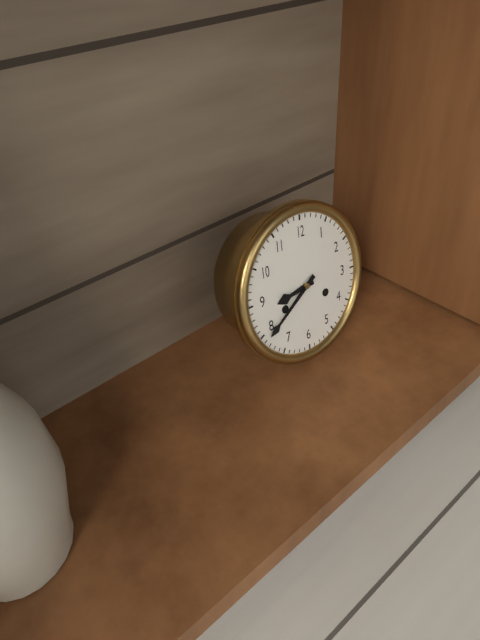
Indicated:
h=8 m=39
